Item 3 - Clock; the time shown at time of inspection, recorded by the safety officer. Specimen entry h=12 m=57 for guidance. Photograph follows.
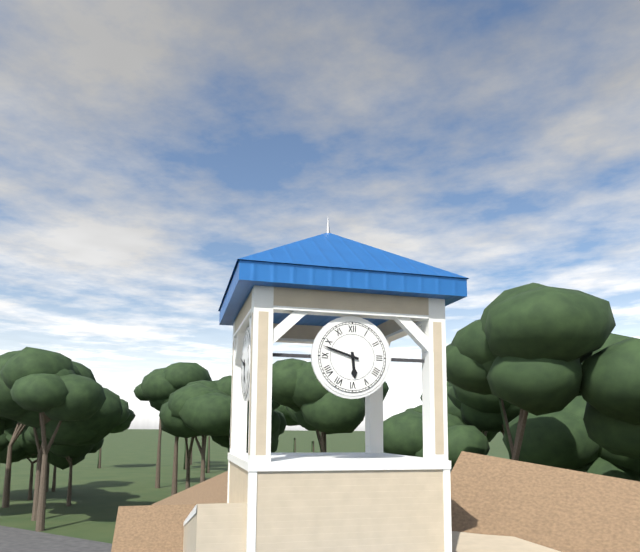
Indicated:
h=5 m=48
